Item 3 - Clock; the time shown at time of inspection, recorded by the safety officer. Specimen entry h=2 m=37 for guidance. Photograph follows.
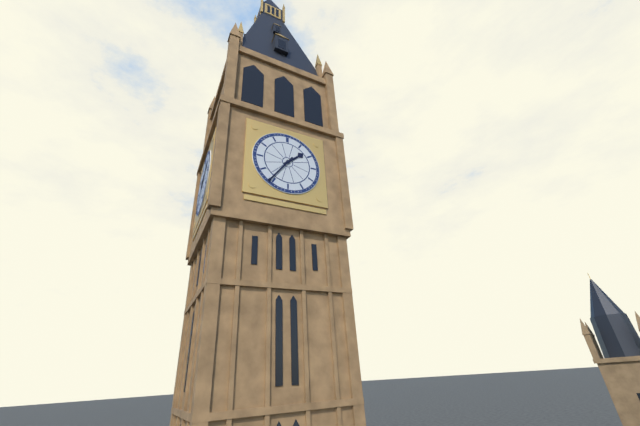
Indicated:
h=1 m=36
